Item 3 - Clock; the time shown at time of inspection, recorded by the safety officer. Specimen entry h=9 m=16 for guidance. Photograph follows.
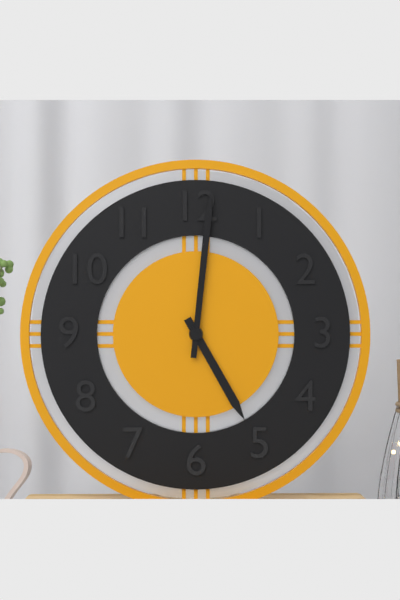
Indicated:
h=5 m=1
